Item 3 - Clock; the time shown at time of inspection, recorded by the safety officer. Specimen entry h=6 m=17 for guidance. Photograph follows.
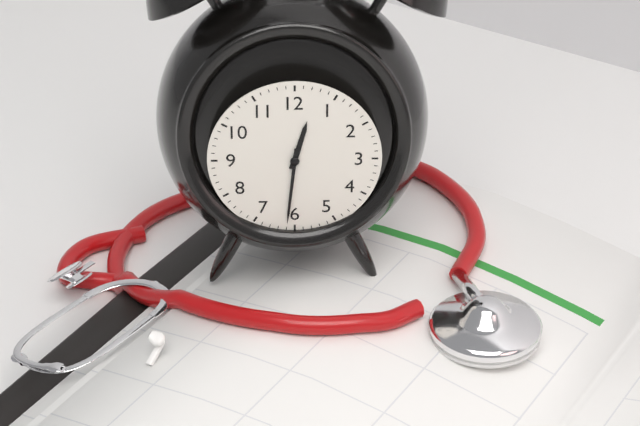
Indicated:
h=12 m=31
